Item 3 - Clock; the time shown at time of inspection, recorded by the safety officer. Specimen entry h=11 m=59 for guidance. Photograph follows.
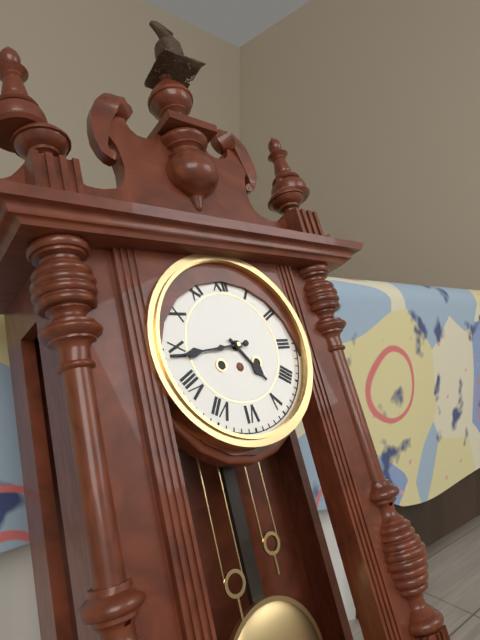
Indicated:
h=4 m=44
